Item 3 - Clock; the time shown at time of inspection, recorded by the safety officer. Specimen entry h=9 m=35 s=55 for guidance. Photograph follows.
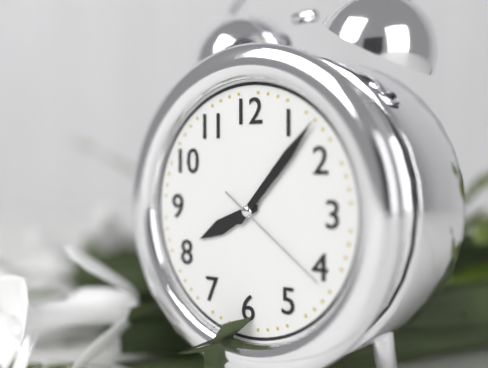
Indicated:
h=8 m=7 s=21
